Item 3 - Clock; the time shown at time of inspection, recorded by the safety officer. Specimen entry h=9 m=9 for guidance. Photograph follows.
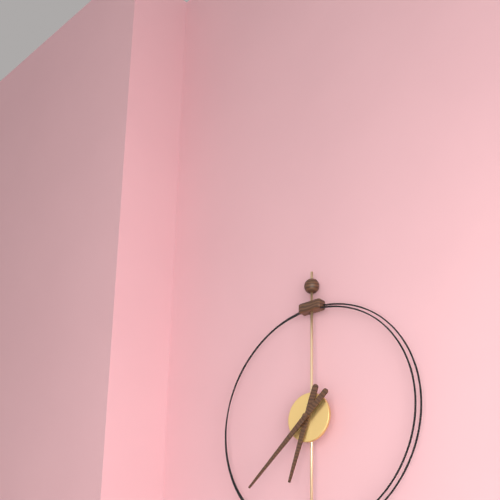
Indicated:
h=6 m=38
